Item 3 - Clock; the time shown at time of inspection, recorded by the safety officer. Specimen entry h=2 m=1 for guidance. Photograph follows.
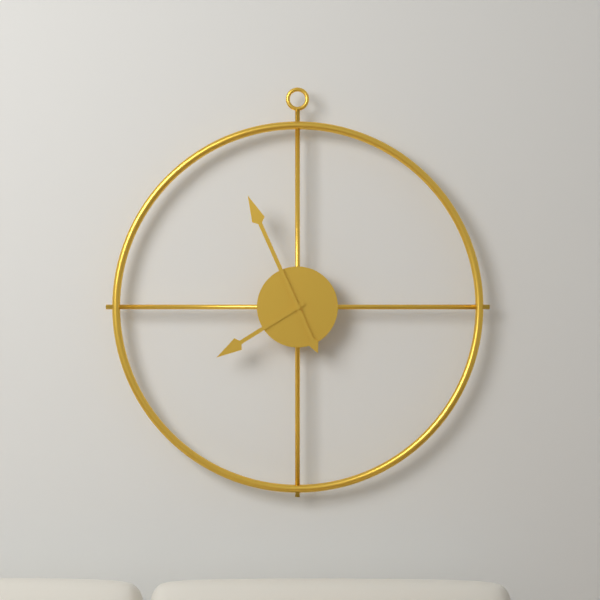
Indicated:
h=7 m=56
